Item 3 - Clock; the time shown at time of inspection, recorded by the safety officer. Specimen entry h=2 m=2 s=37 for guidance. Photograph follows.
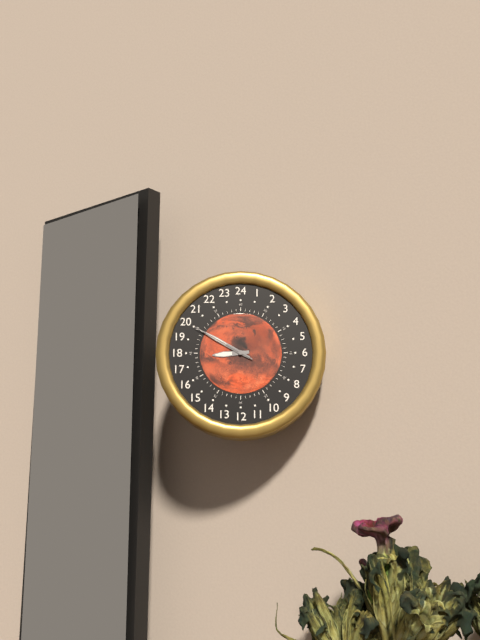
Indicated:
h=8 m=50 s=50
